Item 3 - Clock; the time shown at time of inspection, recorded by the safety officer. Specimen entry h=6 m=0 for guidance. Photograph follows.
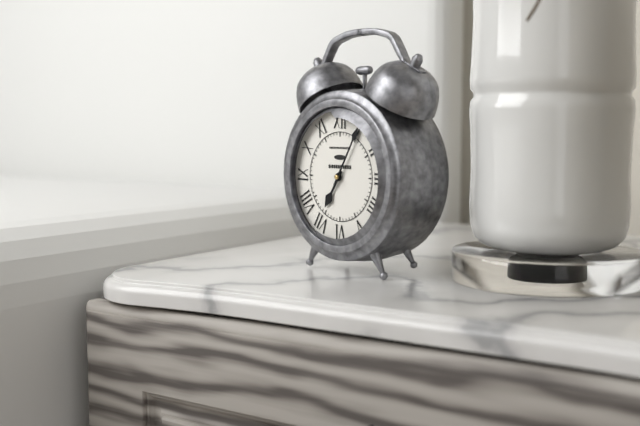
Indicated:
h=7 m=5
